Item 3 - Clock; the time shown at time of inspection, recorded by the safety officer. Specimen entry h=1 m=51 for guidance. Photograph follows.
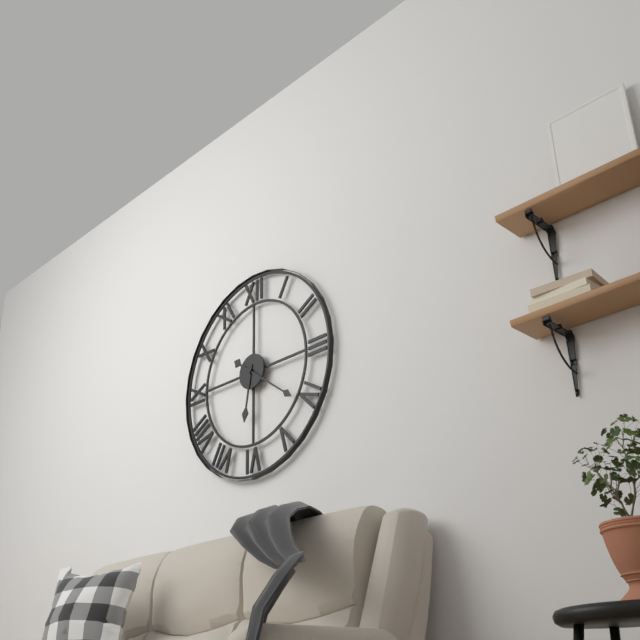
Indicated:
h=6 m=21
